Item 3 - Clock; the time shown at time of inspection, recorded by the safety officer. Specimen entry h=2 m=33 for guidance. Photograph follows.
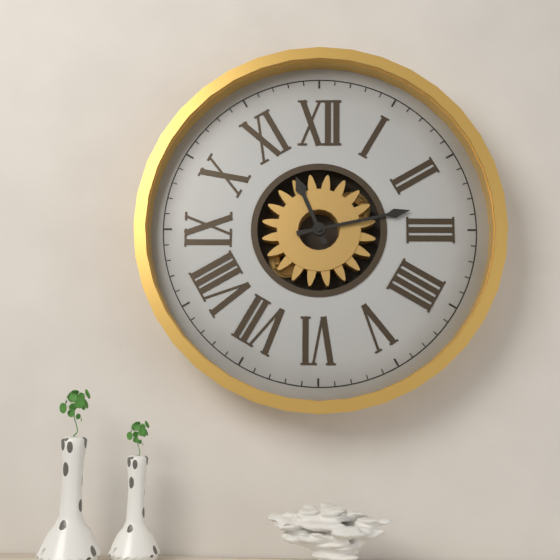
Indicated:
h=11 m=13
